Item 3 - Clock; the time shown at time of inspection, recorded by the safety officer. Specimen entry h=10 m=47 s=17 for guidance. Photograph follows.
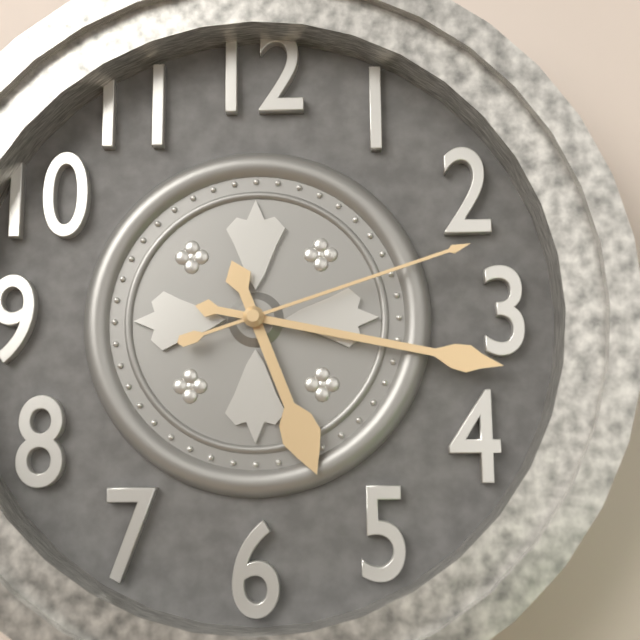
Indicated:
h=5 m=17 s=12
